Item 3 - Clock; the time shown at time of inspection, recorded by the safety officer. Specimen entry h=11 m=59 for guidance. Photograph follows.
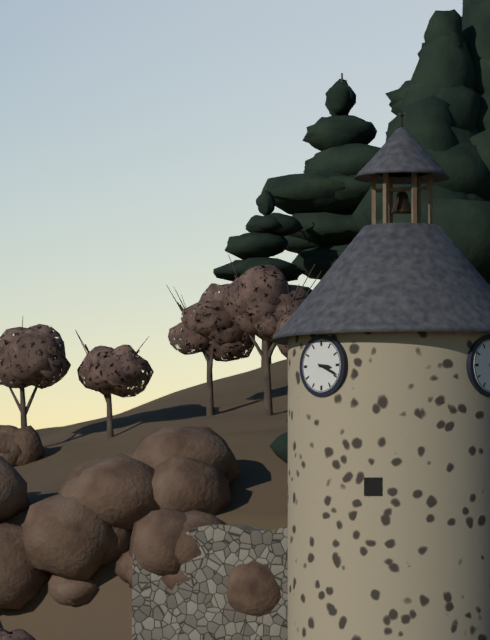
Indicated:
h=3 m=19
